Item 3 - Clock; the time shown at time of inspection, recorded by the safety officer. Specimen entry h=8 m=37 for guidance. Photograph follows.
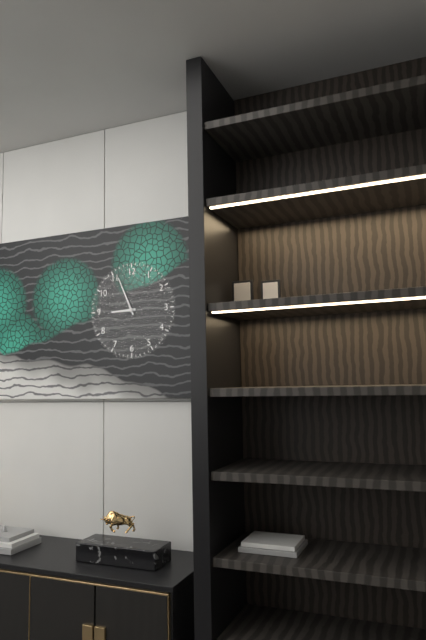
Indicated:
h=8 m=56
